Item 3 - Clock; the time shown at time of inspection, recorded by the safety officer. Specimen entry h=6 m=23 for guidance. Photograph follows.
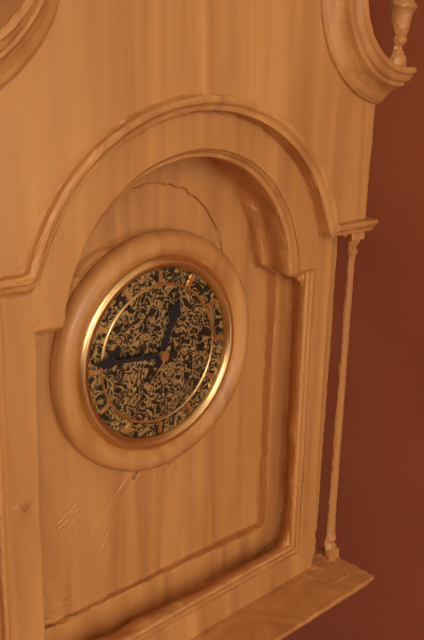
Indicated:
h=12 m=46
